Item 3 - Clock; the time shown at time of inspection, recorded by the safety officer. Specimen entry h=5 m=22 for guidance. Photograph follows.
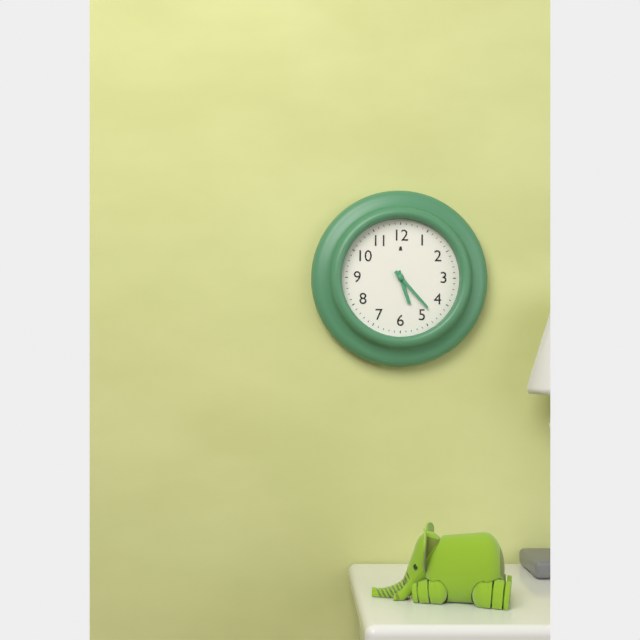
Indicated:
h=5 m=23
